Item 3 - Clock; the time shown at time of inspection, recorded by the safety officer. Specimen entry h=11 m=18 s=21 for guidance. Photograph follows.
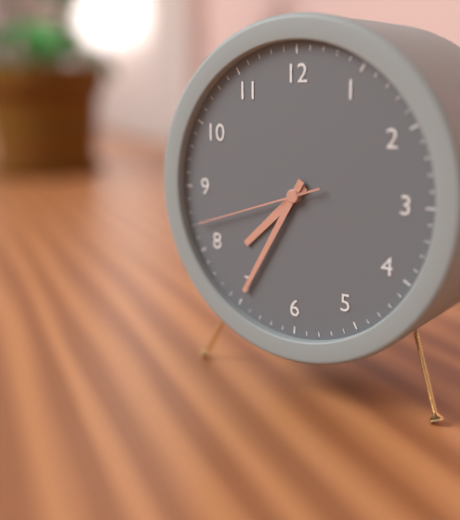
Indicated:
h=7 m=35 s=42
